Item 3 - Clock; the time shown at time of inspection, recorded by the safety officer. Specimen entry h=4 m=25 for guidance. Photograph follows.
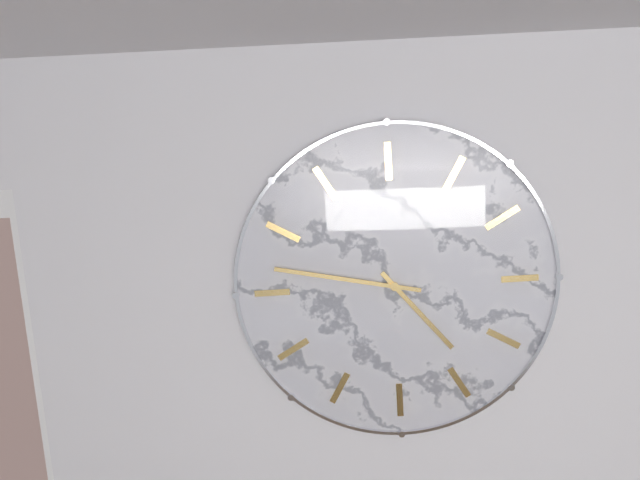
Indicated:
h=3 m=42
